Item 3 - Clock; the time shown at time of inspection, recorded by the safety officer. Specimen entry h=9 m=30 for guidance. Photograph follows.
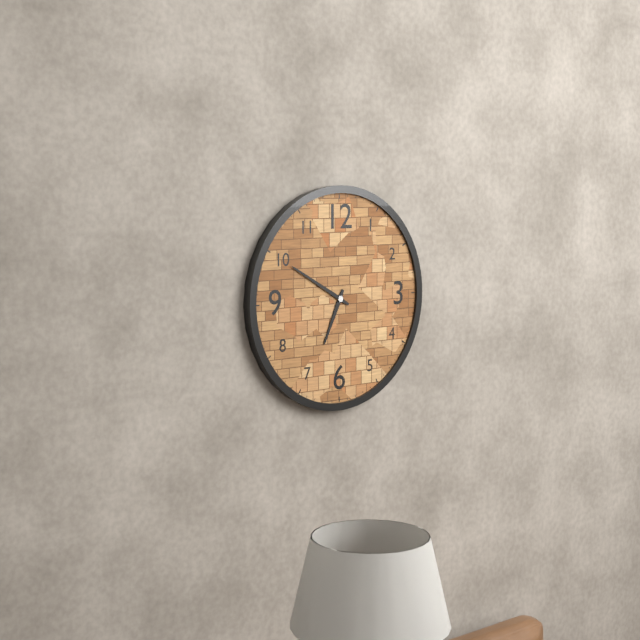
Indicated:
h=6 m=50
